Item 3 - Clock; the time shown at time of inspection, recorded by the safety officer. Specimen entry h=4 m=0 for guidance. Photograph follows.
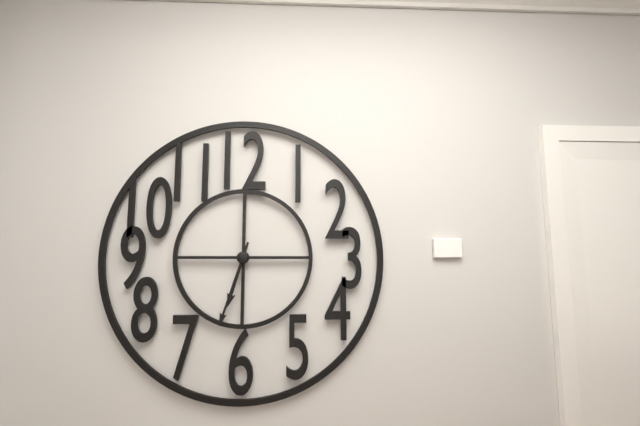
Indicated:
h=6 m=33
